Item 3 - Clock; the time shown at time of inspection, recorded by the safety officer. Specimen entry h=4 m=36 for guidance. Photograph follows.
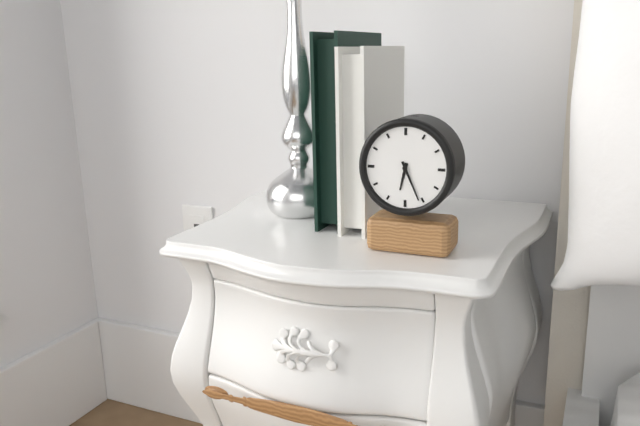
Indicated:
h=6 m=26
